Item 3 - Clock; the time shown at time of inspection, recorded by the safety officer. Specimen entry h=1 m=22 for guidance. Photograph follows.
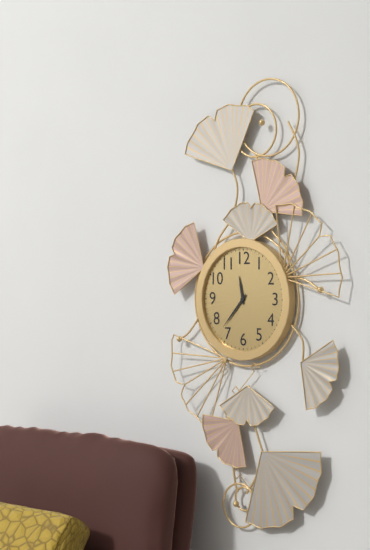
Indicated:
h=11 m=37
